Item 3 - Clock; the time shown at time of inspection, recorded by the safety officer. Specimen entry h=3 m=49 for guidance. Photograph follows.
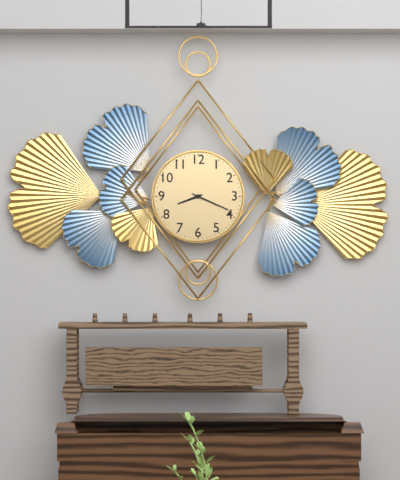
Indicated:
h=8 m=19
